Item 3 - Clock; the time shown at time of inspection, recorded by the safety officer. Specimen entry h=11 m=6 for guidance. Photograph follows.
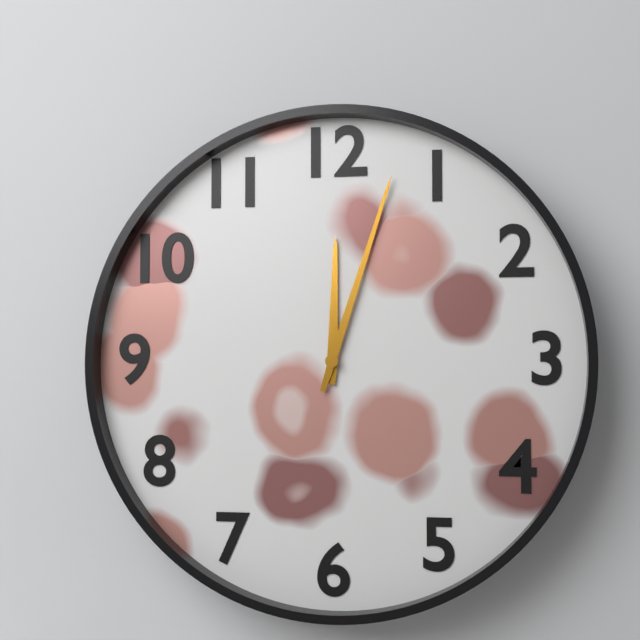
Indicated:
h=12 m=3
